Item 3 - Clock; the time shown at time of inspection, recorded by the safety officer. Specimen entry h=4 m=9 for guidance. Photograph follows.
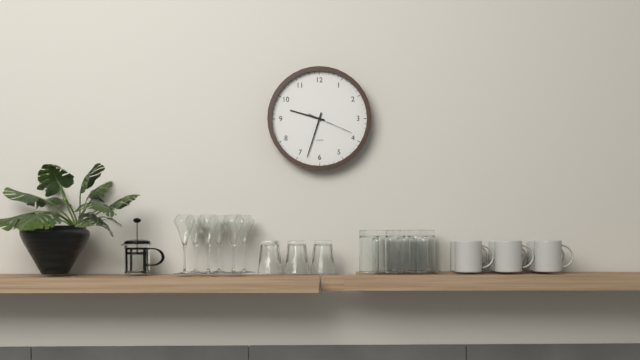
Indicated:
h=9 m=33
